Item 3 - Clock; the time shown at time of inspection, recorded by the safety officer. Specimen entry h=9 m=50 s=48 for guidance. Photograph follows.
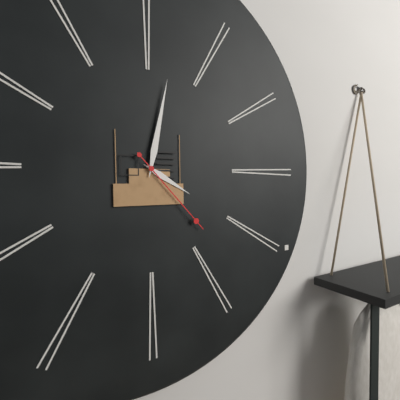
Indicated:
h=4 m=2 s=23
